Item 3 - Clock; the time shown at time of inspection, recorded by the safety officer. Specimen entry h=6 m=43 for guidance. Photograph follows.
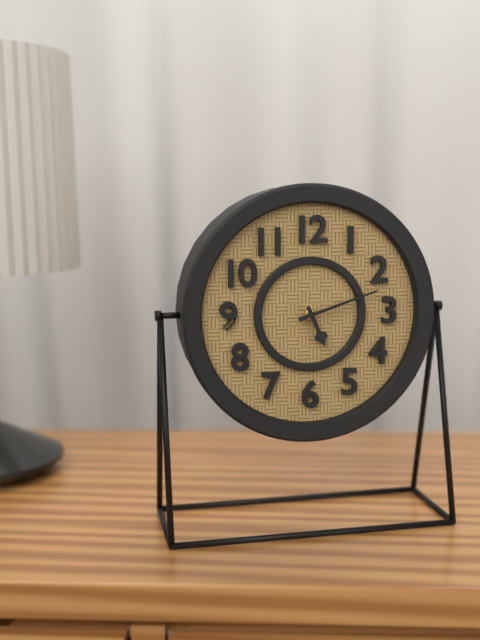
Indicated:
h=5 m=12
